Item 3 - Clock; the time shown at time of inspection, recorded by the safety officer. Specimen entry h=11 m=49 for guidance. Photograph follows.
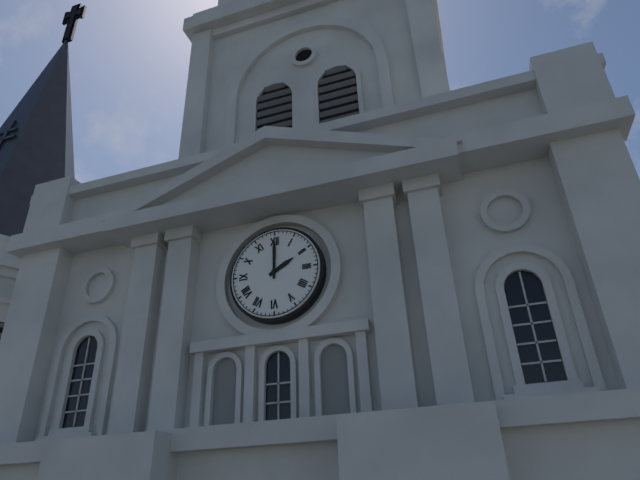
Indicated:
h=2 m=0
